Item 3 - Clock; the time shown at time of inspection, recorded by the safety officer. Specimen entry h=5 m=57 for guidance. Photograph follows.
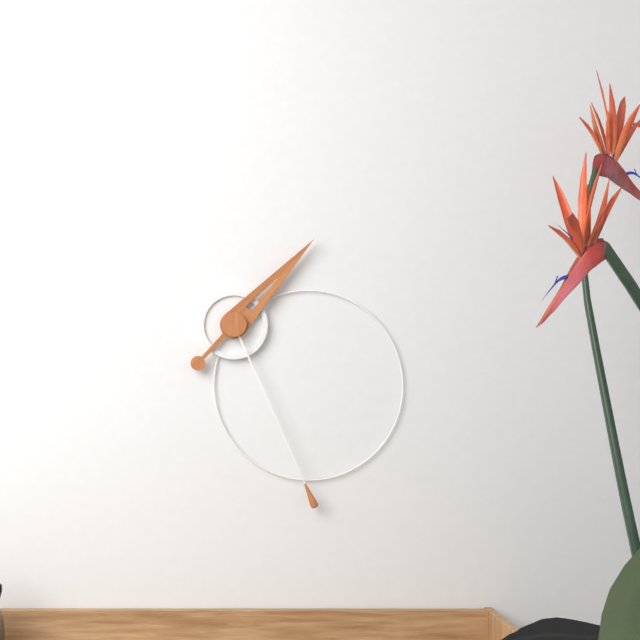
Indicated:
h=1 m=26
